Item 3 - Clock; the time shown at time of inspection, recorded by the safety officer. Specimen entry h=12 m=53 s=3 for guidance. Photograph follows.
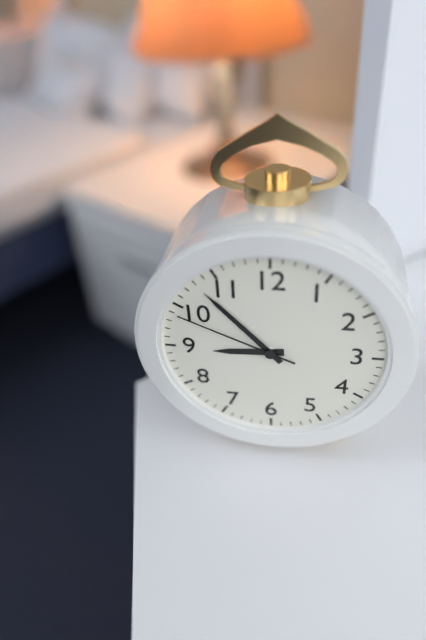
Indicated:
h=8 m=53 s=49
